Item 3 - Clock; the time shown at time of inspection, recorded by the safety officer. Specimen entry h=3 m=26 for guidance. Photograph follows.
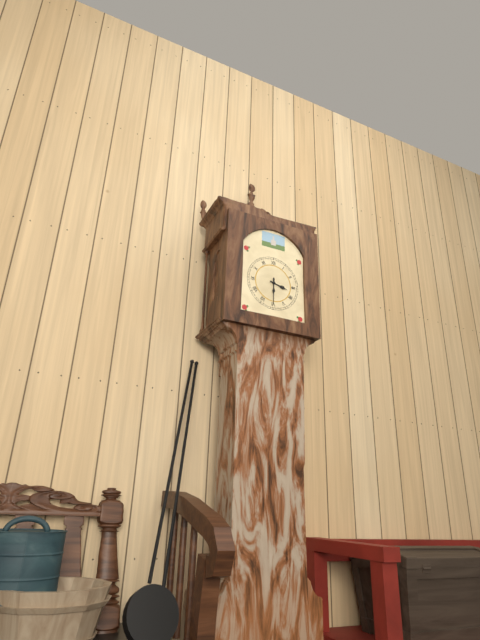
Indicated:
h=3 m=30
